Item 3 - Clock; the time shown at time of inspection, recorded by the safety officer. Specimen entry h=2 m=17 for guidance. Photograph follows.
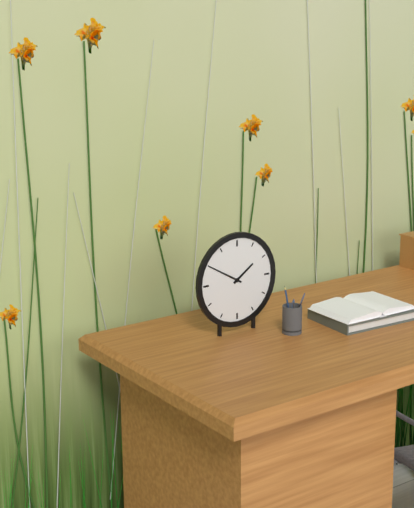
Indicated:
h=1 m=50
